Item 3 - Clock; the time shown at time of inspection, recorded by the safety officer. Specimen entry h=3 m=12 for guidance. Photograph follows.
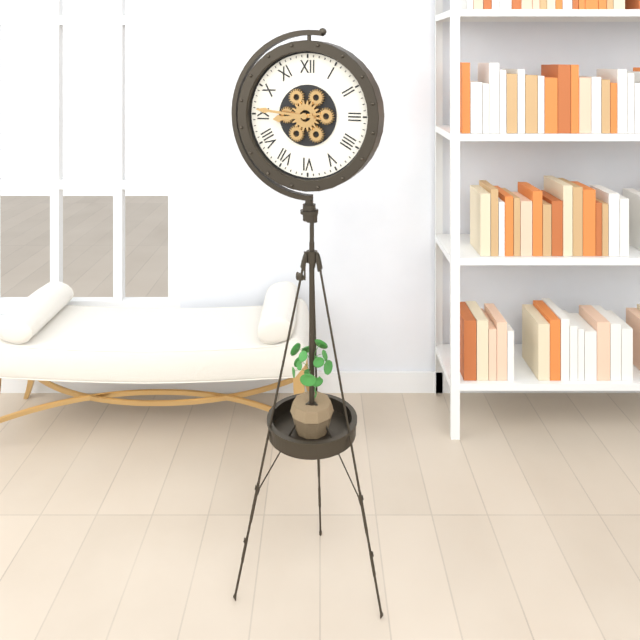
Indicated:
h=8 m=46
